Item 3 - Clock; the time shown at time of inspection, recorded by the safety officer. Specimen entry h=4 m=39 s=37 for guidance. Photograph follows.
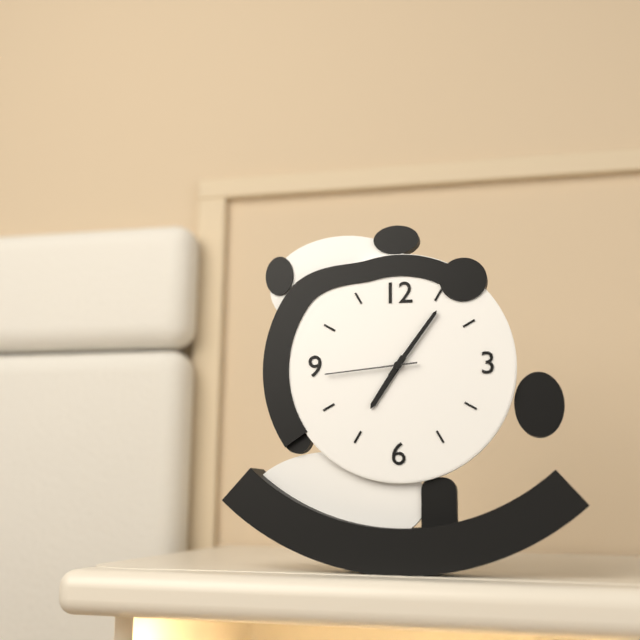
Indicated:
h=7 m=6 s=44
